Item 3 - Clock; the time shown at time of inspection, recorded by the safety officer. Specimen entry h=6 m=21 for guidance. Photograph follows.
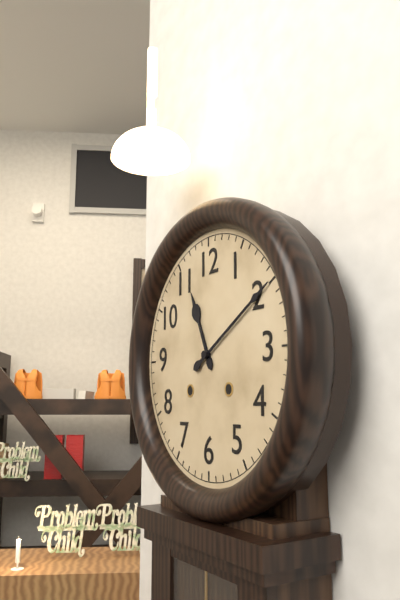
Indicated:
h=11 m=10
